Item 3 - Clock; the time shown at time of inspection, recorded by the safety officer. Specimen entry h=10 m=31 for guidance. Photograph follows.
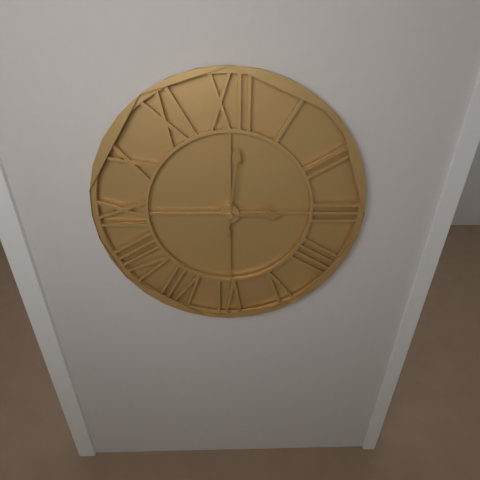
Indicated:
h=3 m=1
